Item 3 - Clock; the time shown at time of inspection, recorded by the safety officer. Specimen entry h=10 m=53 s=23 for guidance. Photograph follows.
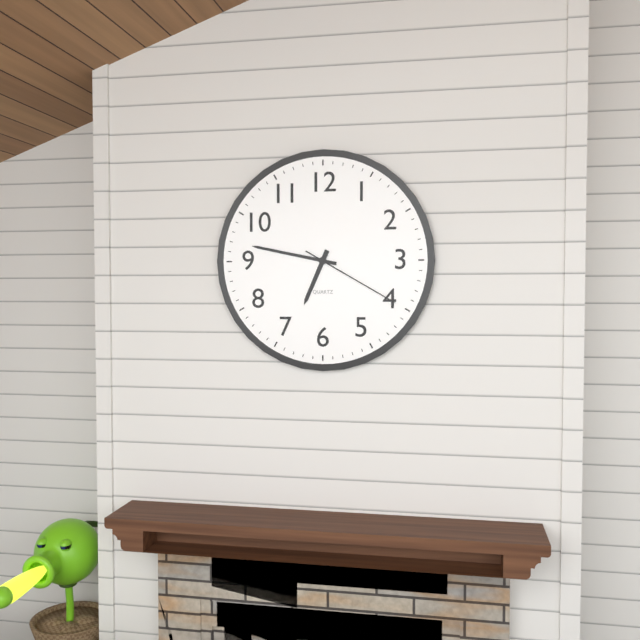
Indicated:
h=6 m=47 s=20
